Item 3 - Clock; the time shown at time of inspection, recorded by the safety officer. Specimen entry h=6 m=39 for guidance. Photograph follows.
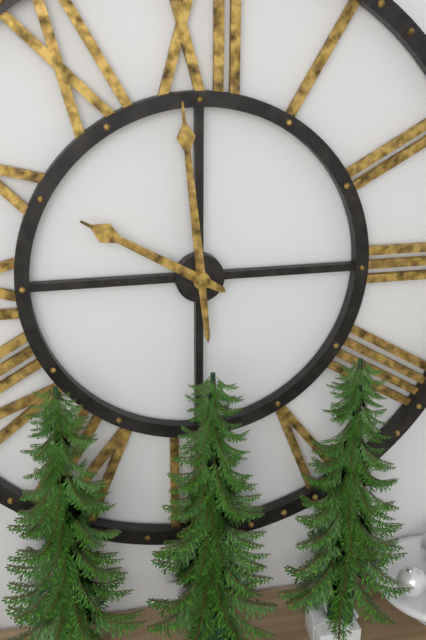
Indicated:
h=9 m=59
